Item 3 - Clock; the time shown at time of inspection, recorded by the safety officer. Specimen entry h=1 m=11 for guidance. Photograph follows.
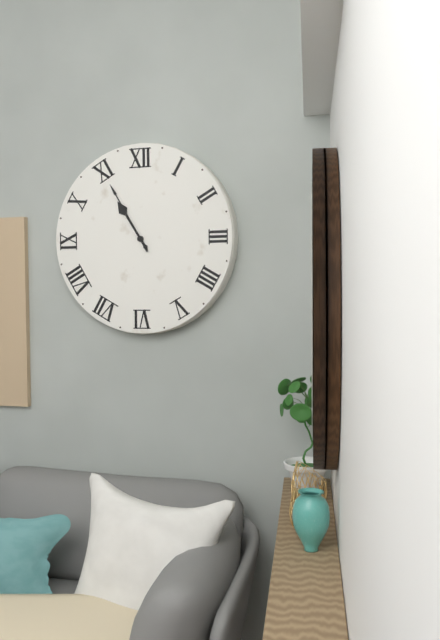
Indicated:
h=10 m=55
